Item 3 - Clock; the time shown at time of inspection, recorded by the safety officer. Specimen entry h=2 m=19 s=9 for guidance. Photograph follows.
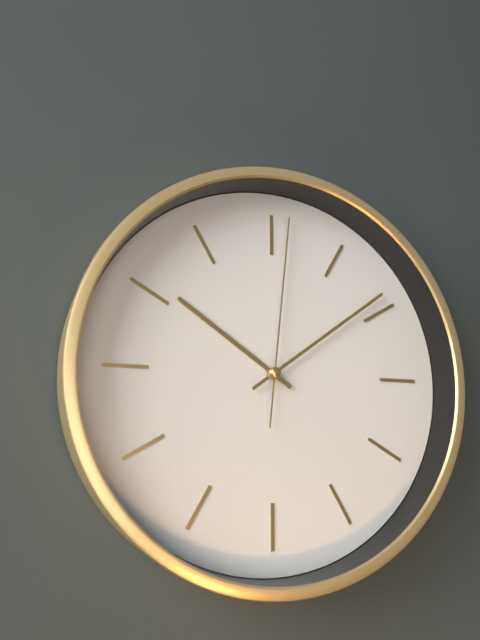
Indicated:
h=10 m=9 s=1
